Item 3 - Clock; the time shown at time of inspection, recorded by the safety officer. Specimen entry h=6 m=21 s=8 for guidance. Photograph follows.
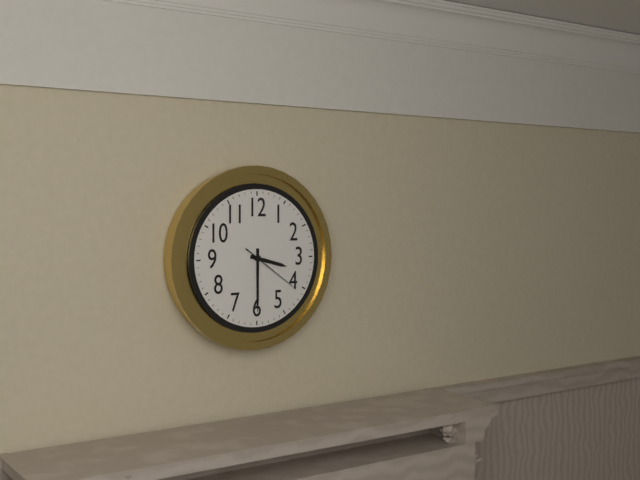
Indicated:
h=3 m=30 s=21
